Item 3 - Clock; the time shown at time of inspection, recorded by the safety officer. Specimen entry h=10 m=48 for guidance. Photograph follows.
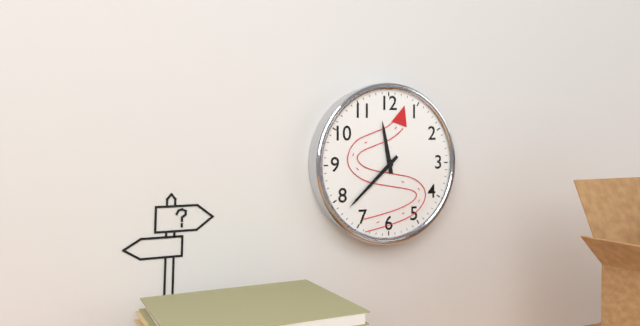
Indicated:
h=11 m=38
